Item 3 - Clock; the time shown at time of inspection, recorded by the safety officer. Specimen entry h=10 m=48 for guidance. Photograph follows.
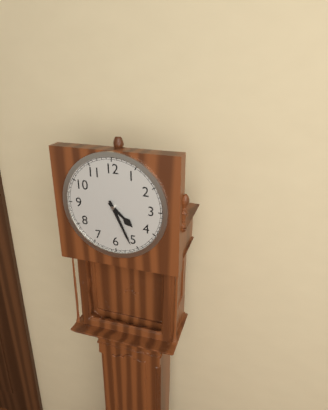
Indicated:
h=4 m=26
